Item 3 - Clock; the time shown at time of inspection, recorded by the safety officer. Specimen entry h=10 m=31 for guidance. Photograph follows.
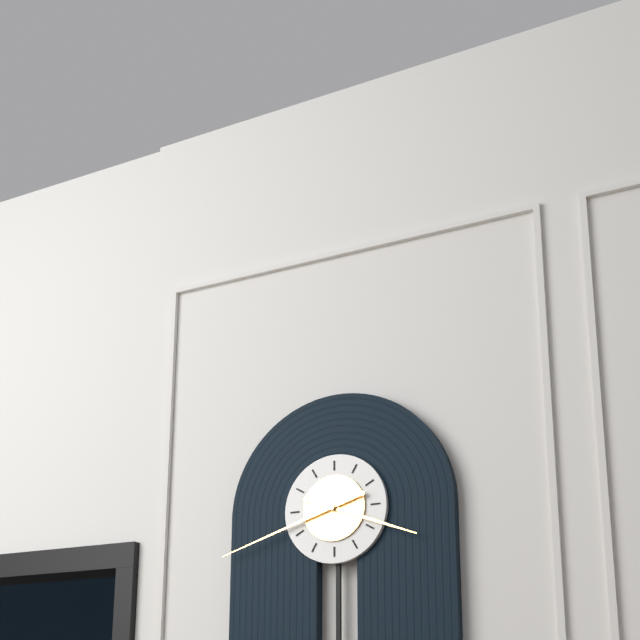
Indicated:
h=3 m=42
